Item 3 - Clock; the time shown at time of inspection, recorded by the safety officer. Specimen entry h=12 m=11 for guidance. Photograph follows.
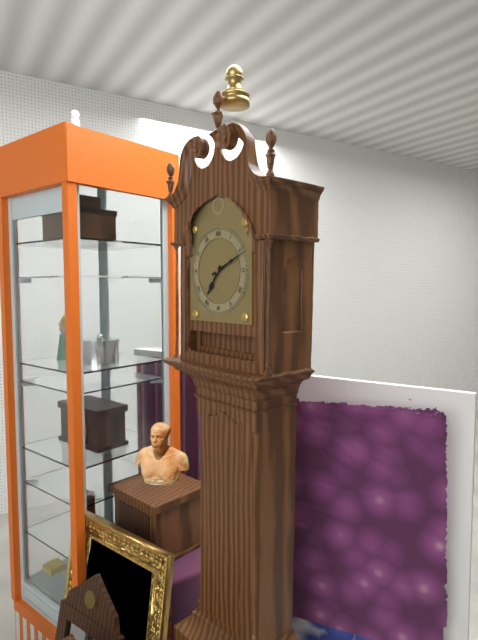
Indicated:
h=7 m=11
